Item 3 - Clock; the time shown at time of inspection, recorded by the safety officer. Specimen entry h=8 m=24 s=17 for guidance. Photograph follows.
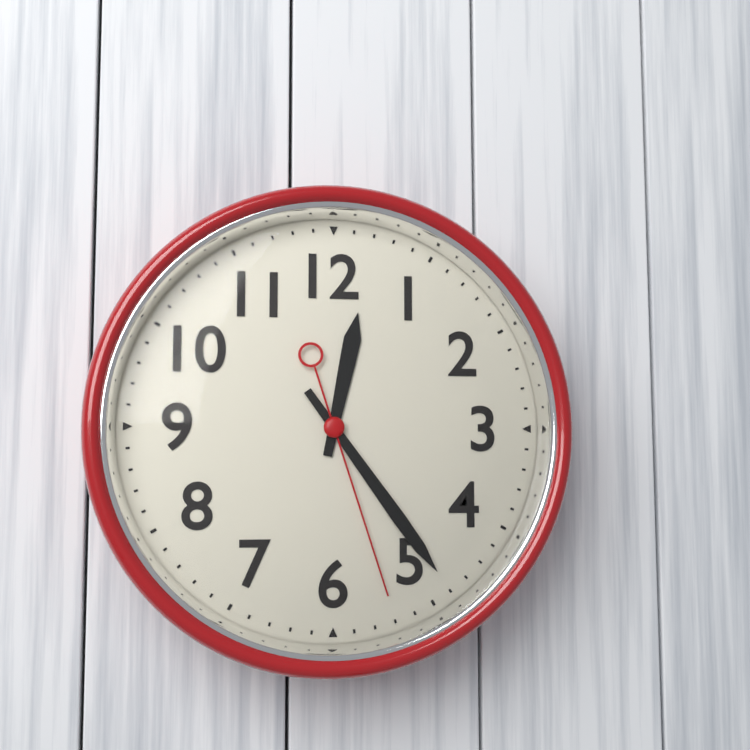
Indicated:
h=12 m=24 s=27
